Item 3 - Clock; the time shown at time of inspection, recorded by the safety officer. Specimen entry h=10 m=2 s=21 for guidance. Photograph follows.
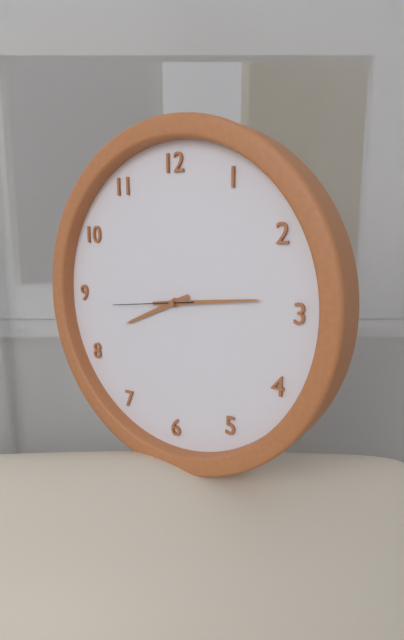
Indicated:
h=8 m=14 s=44
